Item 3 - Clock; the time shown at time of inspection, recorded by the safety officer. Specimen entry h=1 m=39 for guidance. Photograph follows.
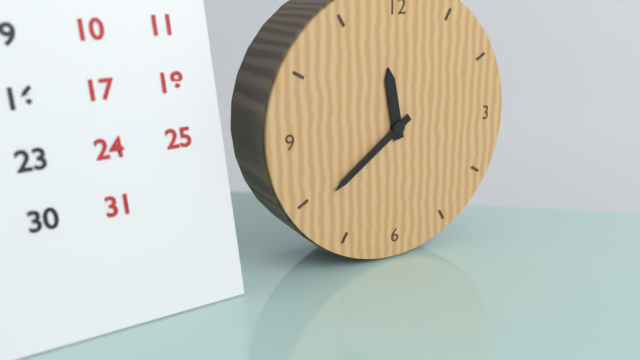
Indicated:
h=11 m=39
